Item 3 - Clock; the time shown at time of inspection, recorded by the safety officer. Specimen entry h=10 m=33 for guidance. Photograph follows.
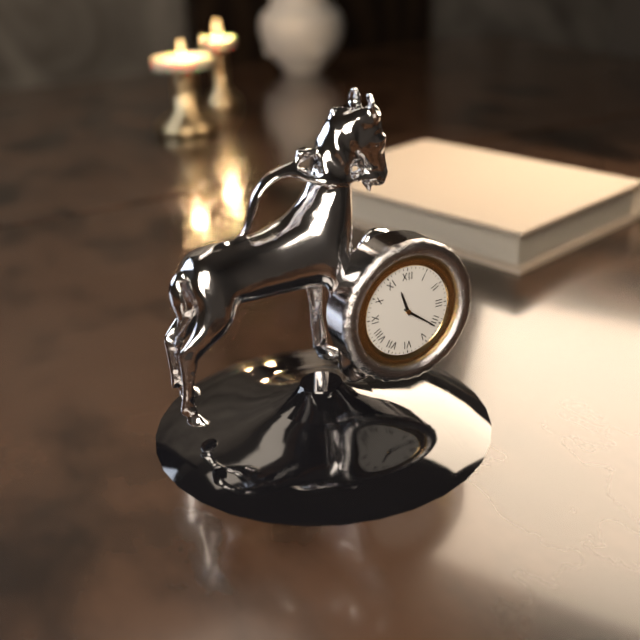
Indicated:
h=11 m=21
